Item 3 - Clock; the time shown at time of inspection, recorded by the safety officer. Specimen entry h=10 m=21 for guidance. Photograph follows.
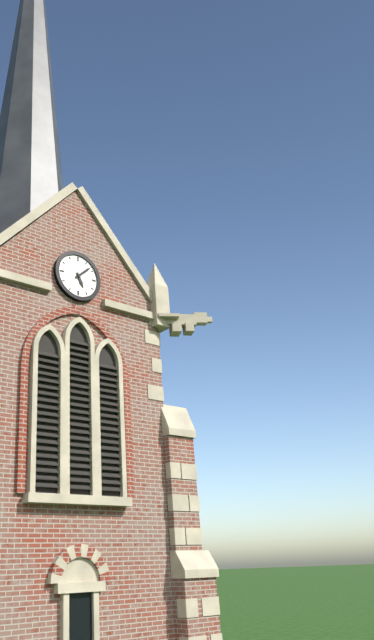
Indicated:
h=5 m=8
